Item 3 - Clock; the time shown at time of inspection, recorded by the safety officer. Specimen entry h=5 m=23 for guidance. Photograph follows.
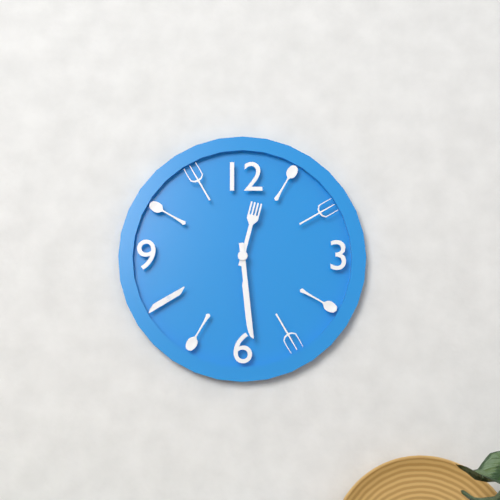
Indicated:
h=12 m=29
